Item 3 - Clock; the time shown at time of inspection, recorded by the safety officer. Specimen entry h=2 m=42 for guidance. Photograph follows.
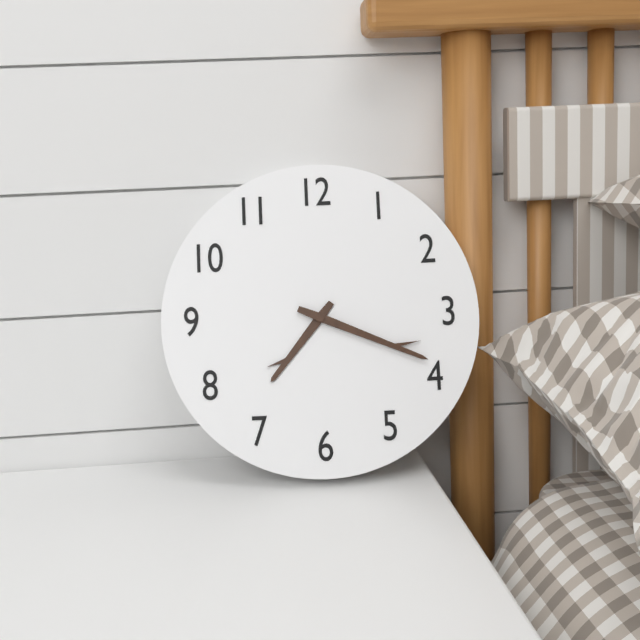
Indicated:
h=7 m=19
